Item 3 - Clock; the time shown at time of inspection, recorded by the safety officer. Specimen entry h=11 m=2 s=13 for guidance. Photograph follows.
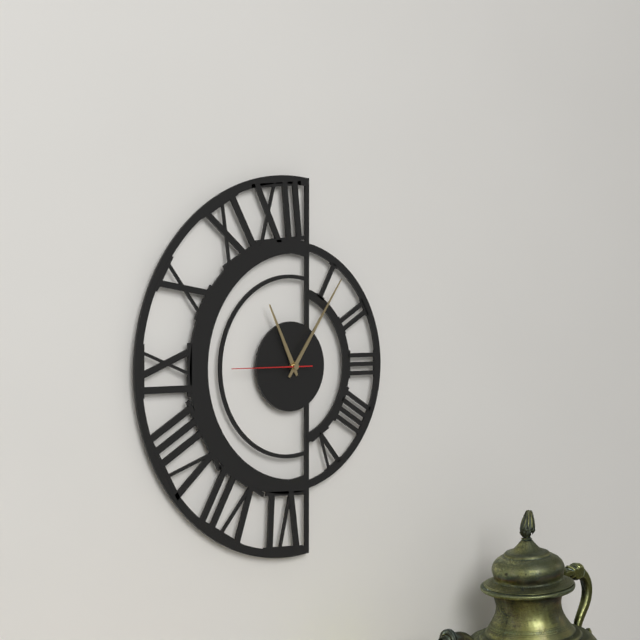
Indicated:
h=11 m=6 s=45
